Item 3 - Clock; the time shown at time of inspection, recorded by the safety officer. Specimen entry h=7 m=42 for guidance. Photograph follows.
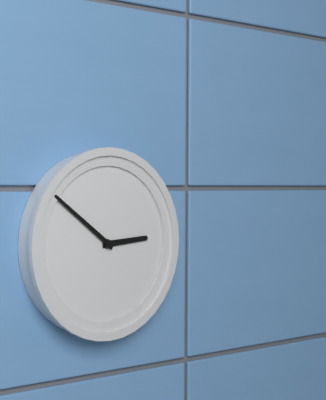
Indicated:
h=2 m=51
